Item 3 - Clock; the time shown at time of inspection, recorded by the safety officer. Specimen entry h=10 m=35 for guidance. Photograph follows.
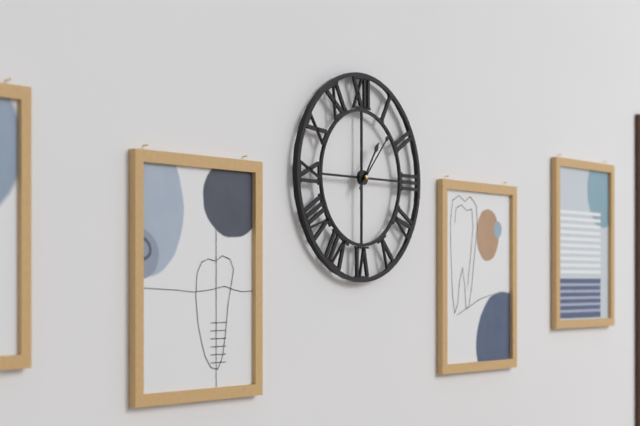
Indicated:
h=1 m=7
